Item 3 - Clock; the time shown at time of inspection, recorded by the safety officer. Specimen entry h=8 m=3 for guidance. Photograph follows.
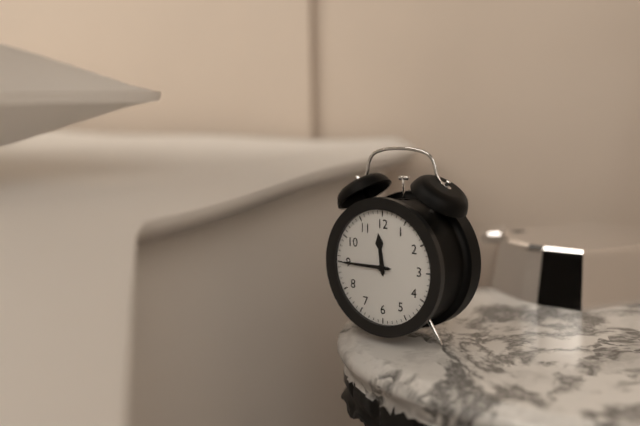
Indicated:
h=11 m=45
